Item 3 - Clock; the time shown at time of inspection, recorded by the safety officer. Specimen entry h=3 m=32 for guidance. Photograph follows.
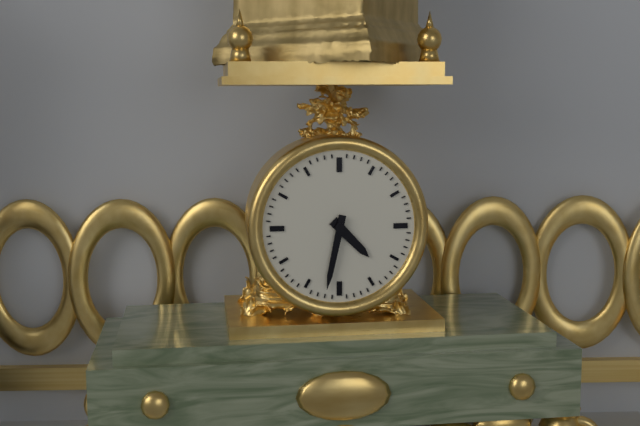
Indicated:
h=4 m=32
